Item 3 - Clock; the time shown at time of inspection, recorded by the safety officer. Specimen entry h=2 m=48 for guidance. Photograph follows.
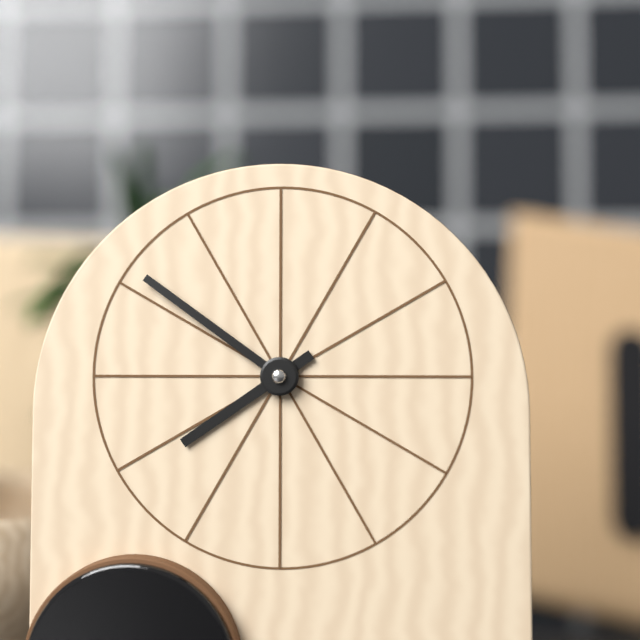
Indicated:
h=7 m=51
